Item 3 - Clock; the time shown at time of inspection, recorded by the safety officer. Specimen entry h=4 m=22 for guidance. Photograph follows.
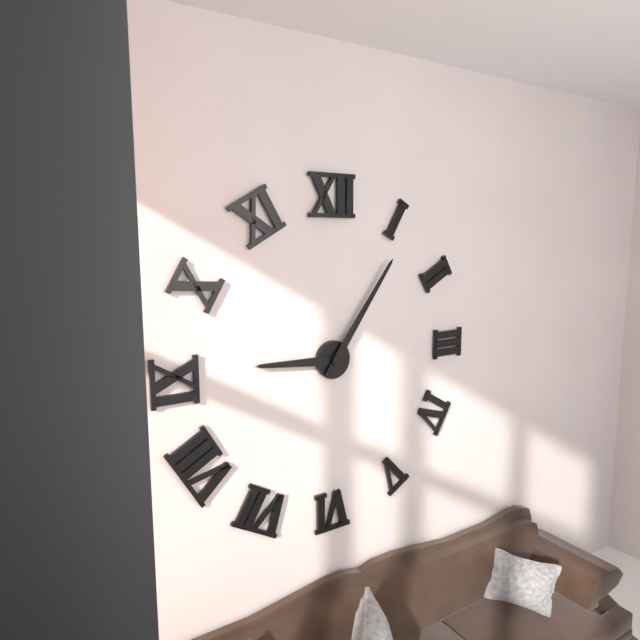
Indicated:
h=9 m=6
